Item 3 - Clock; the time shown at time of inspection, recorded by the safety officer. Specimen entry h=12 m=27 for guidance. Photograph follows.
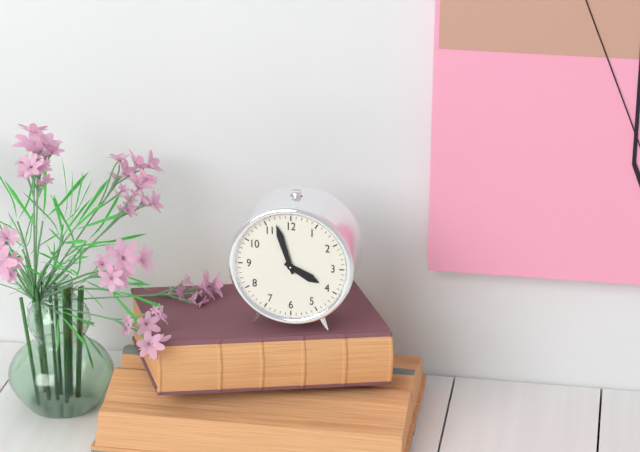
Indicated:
h=3 m=57
